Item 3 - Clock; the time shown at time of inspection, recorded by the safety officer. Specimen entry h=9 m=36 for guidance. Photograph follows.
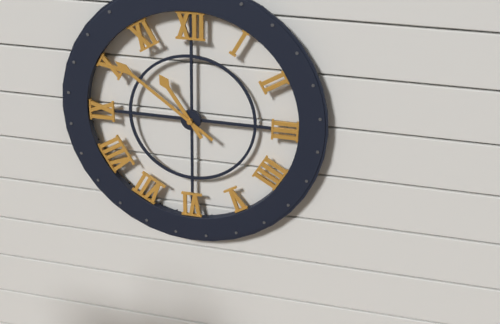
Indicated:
h=10 m=51
